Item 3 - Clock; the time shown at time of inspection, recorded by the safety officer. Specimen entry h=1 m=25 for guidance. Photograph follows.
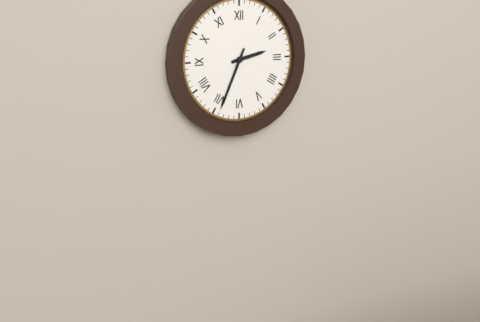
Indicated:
h=2 m=34
